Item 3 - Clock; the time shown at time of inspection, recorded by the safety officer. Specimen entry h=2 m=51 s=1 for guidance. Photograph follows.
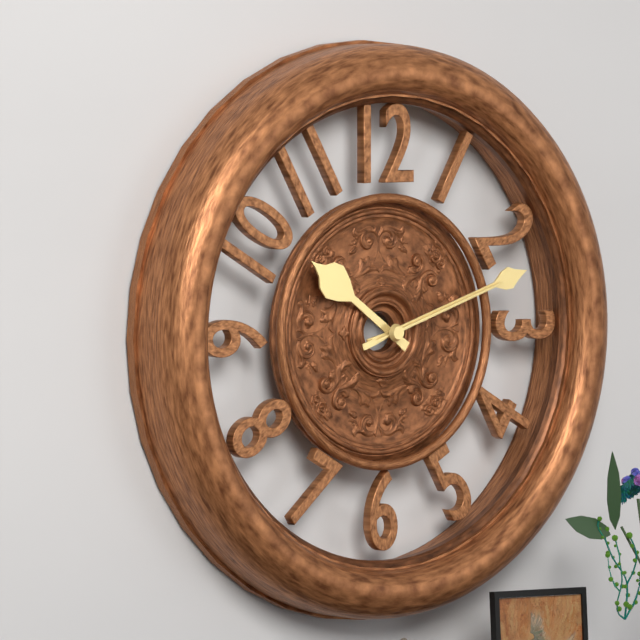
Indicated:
h=10 m=12 s=12
